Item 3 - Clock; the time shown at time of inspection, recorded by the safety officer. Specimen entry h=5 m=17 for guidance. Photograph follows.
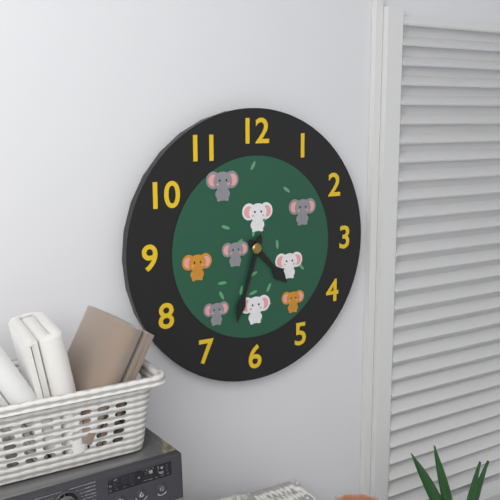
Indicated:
h=4 m=33
